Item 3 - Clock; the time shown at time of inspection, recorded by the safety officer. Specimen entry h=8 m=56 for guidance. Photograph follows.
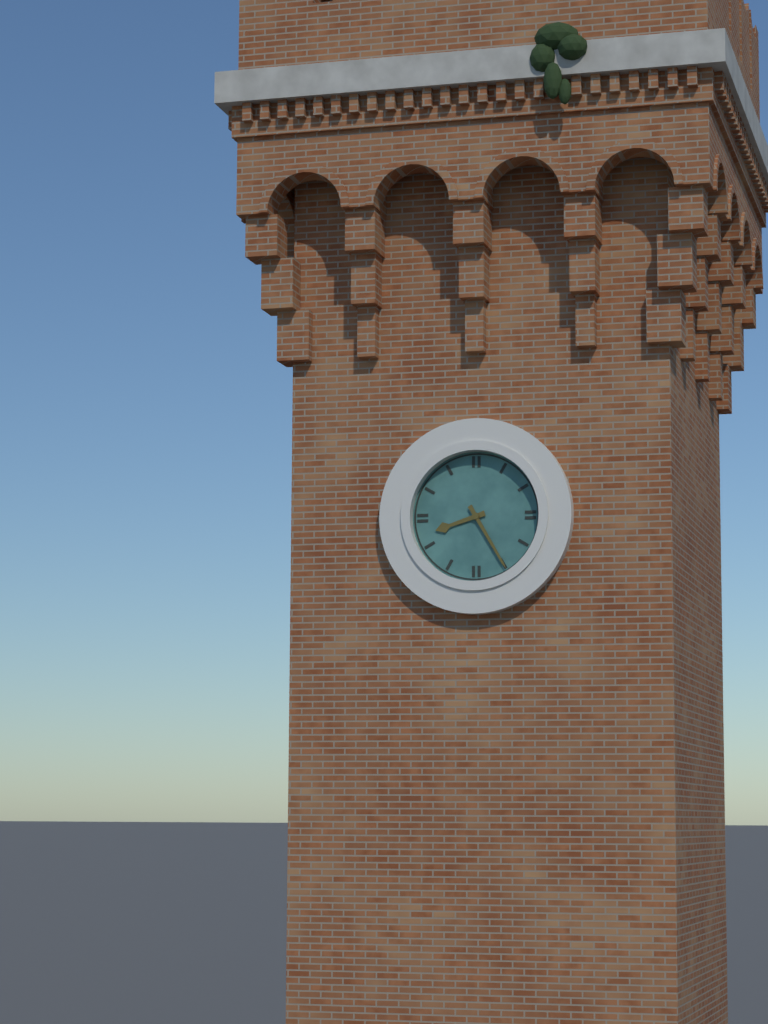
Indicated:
h=8 m=25
